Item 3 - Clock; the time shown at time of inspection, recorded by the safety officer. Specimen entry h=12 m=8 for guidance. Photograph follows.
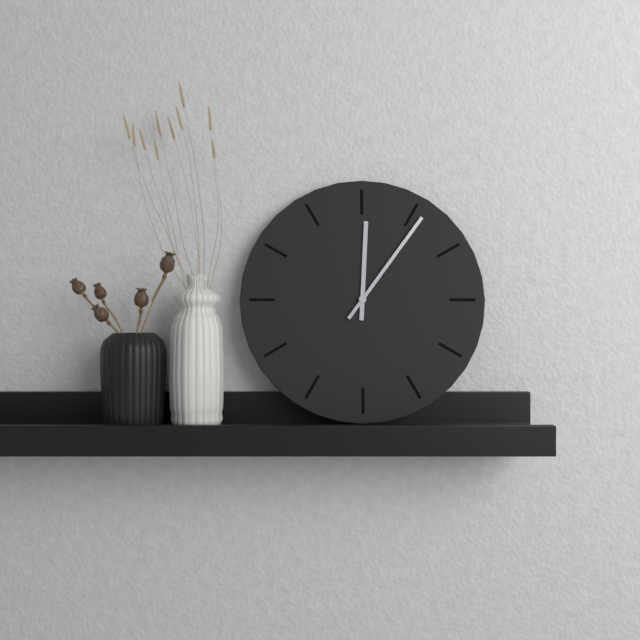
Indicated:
h=12 m=6
